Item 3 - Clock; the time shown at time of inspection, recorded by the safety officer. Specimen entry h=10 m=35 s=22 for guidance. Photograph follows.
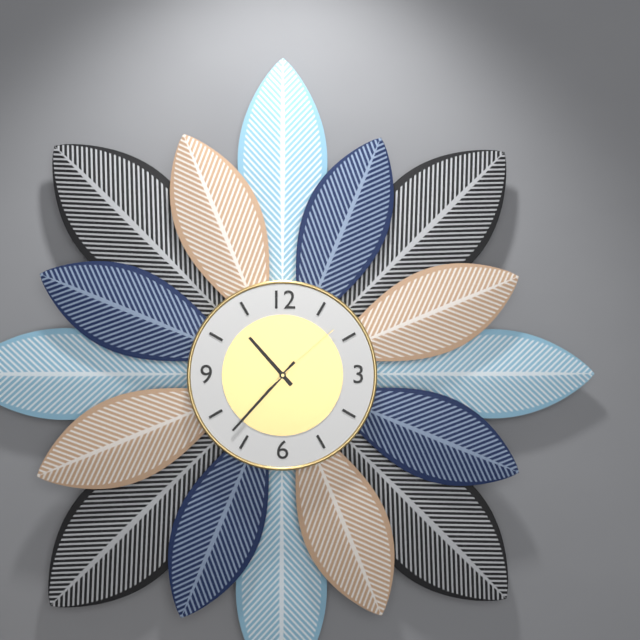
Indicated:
h=10 m=37 s=8
